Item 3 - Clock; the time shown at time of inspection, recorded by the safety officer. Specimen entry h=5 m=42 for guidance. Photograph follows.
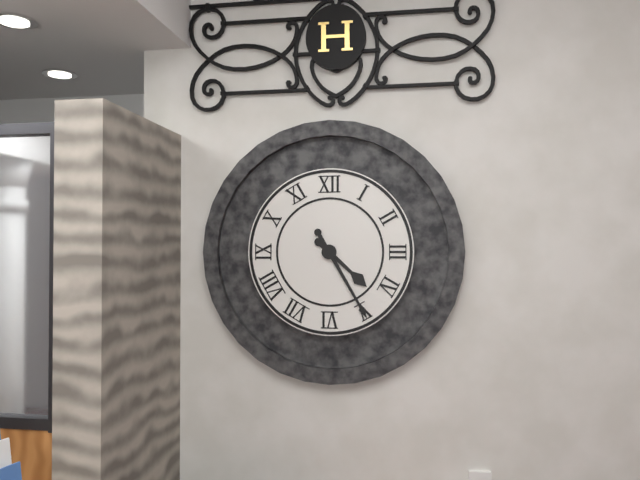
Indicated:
h=4 m=25
